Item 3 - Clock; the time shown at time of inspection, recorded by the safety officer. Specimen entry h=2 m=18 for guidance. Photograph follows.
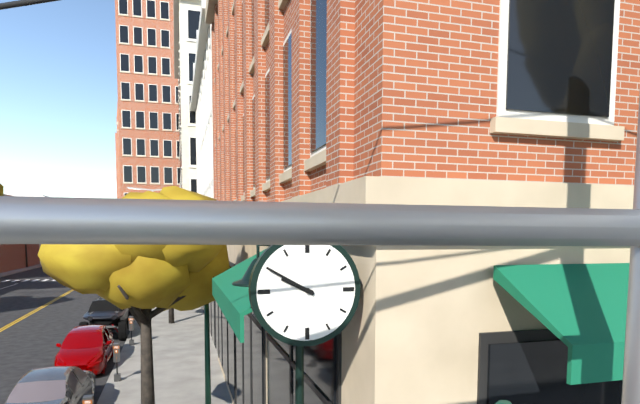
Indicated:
h=9 m=50
